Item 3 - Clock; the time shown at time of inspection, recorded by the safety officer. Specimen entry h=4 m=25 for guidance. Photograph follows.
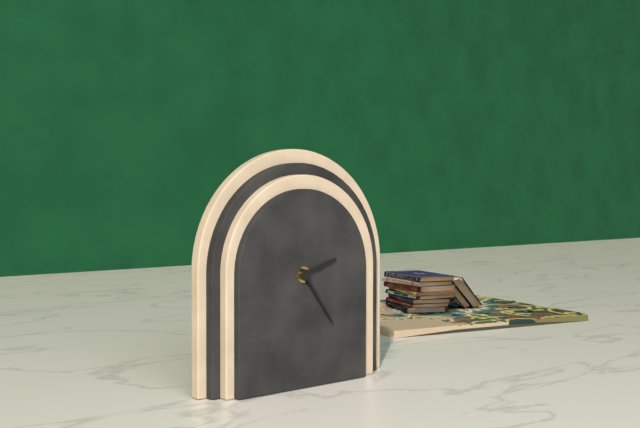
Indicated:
h=2 m=24
